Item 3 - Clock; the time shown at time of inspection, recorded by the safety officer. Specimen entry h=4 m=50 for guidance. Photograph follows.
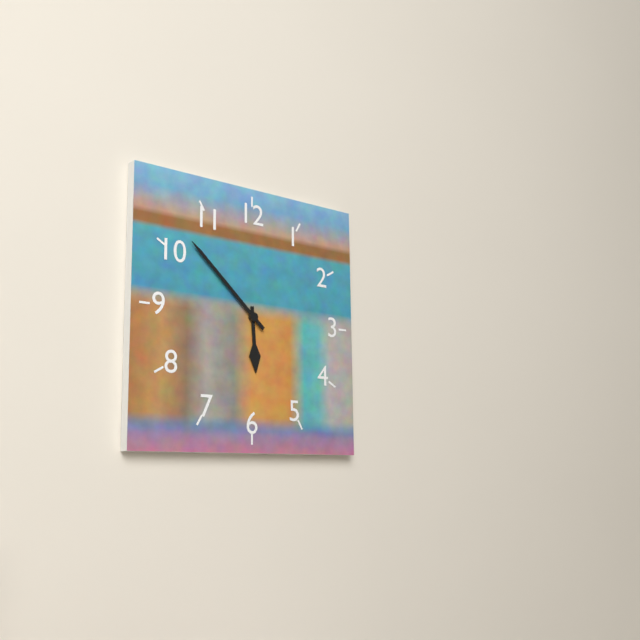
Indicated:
h=5 m=52
